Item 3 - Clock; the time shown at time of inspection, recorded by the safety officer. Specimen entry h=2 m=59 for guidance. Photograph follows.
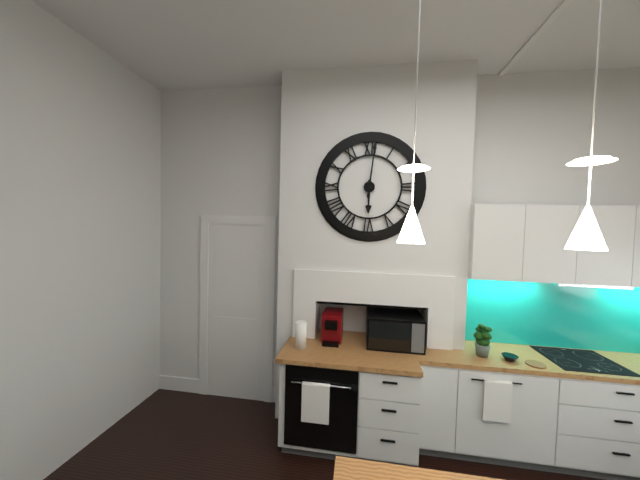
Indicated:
h=6 m=1
